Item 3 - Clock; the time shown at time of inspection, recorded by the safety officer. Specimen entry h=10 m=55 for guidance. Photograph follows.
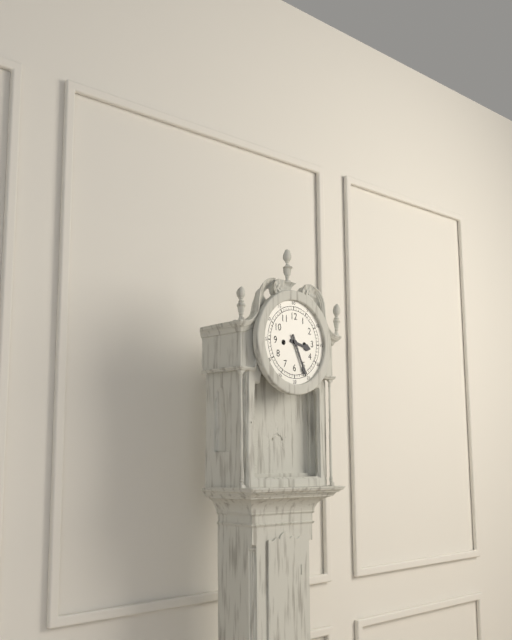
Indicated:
h=3 m=26
